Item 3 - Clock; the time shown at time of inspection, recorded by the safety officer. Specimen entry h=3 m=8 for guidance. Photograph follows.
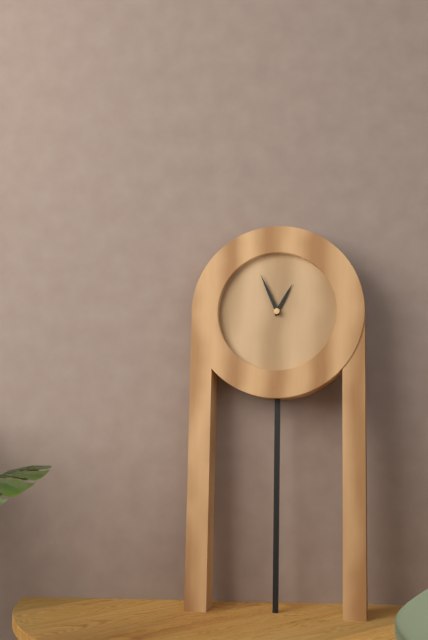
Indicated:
h=12 m=56
